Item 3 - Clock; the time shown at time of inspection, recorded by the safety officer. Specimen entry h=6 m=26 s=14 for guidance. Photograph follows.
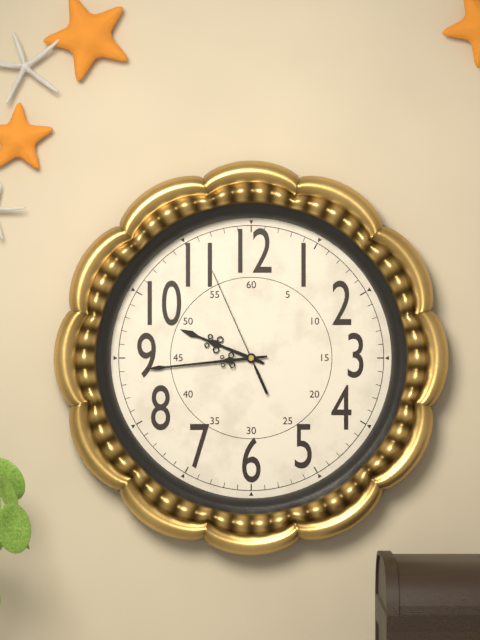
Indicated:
h=9 m=44 s=56
